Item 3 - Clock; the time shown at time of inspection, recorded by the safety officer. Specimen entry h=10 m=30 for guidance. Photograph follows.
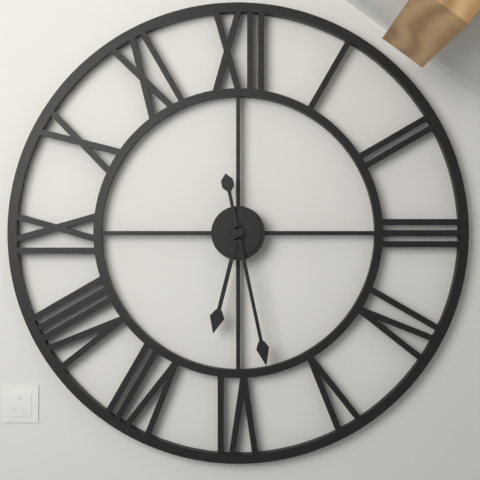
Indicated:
h=6 m=28
